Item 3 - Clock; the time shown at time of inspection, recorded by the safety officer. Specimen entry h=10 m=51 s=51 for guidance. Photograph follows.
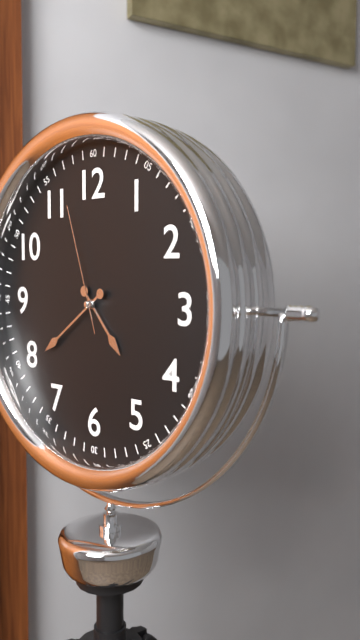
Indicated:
h=4 m=39 s=57
